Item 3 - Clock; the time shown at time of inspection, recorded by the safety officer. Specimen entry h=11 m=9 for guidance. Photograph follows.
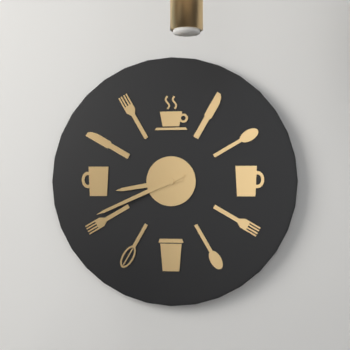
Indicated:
h=8 m=41
